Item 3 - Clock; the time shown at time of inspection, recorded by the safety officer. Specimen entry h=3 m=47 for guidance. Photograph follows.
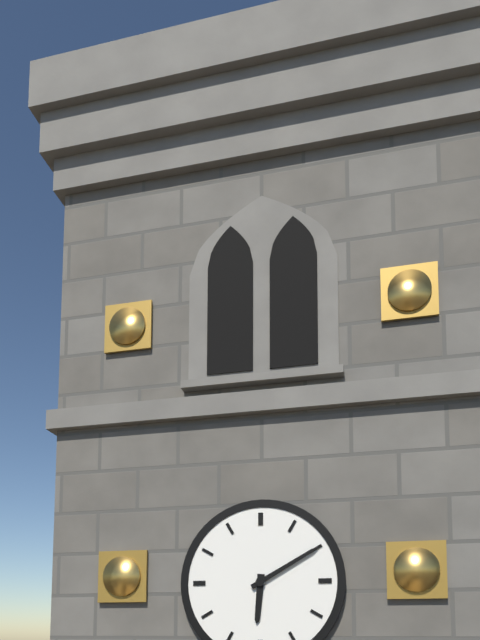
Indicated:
h=6 m=10
